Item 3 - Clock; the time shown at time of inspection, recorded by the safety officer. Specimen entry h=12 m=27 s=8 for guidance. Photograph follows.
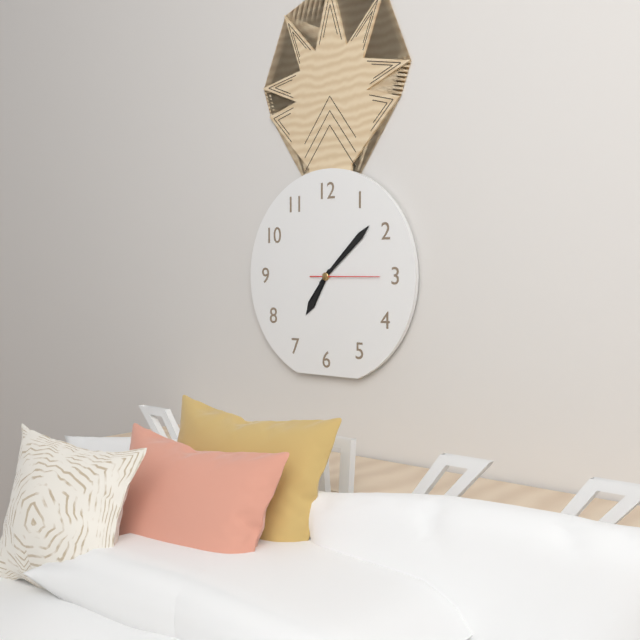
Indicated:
h=7 m=8 s=15
